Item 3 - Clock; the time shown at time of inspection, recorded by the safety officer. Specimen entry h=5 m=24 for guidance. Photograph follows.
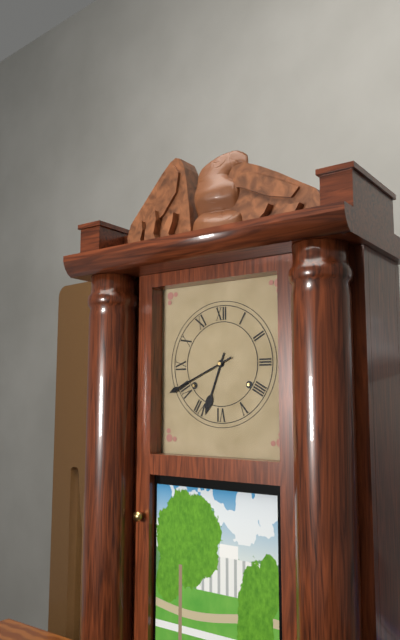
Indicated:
h=6 m=41
